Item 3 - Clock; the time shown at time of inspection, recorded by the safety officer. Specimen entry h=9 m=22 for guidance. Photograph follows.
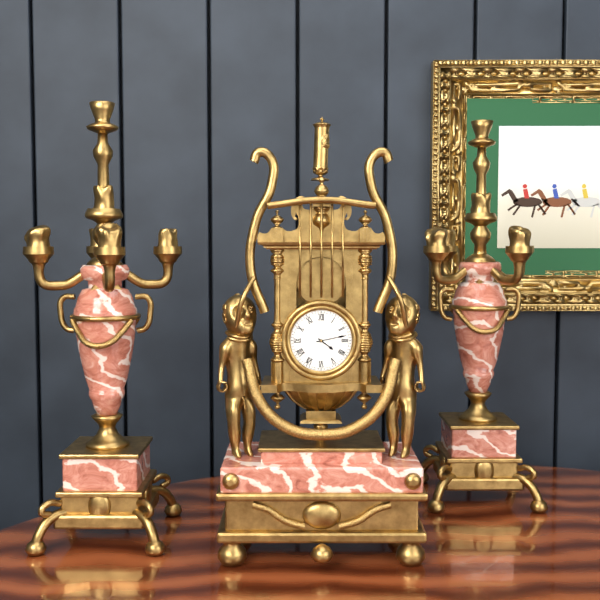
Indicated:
h=4 m=13
